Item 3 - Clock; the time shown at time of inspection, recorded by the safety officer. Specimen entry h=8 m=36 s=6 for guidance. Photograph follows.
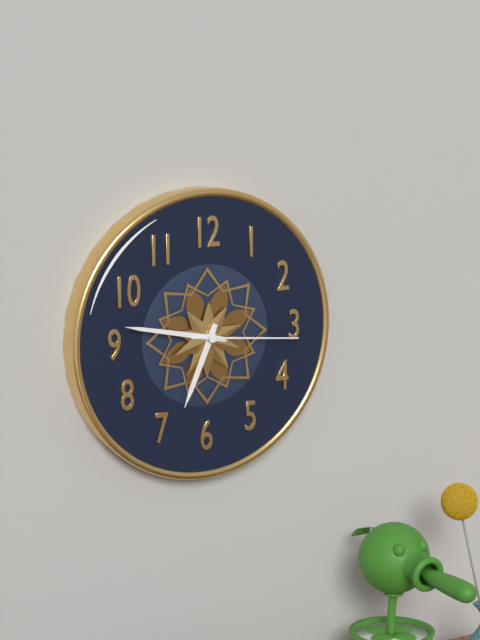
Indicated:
h=6 m=47 s=16
